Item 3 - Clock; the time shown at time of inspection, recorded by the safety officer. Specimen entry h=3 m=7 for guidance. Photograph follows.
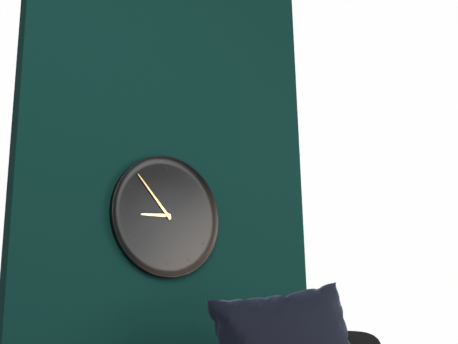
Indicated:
h=8 m=53
